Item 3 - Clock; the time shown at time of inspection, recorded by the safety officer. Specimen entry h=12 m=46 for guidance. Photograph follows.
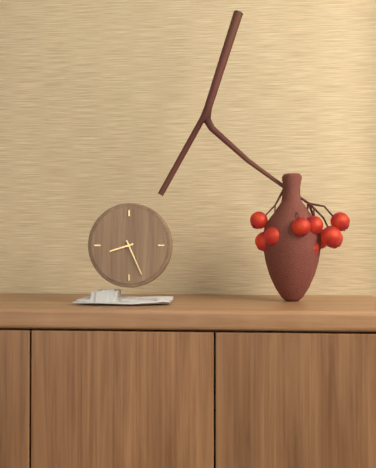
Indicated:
h=8 m=26
